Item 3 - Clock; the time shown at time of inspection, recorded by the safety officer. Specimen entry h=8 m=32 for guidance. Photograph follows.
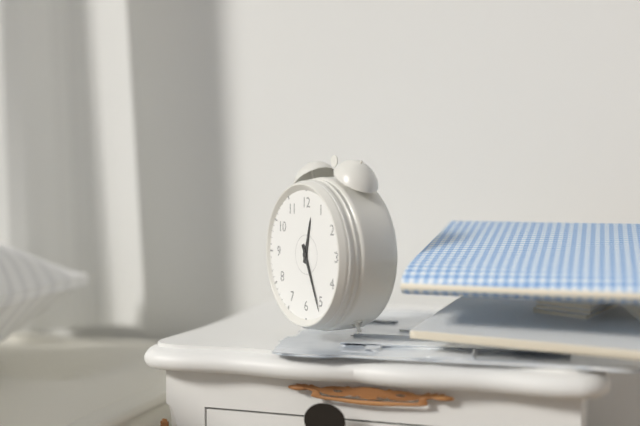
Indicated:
h=12 m=26
